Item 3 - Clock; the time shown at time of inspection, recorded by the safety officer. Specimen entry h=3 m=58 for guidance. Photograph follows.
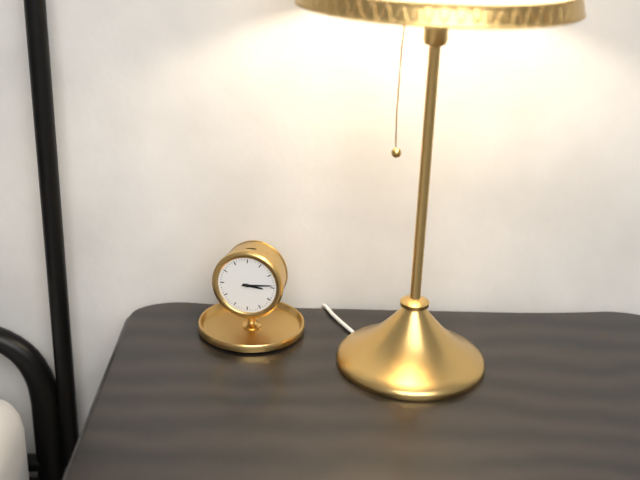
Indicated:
h=3 m=14
